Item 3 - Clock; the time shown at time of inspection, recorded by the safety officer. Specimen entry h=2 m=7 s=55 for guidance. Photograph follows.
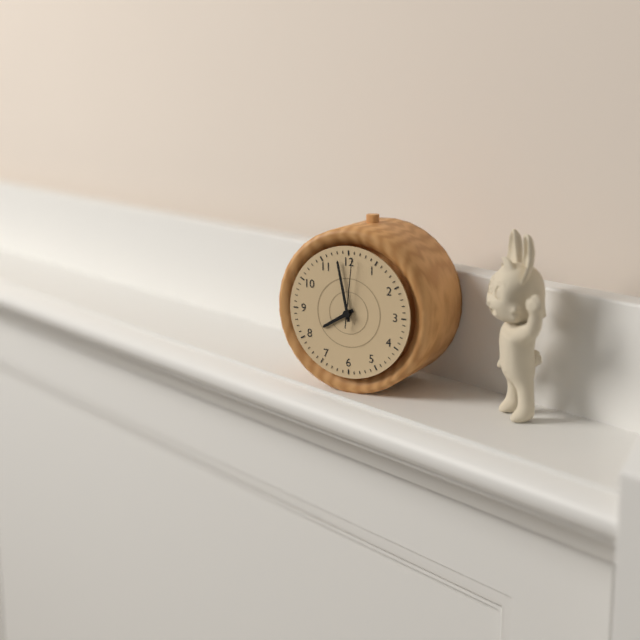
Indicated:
h=7 m=58 s=1
